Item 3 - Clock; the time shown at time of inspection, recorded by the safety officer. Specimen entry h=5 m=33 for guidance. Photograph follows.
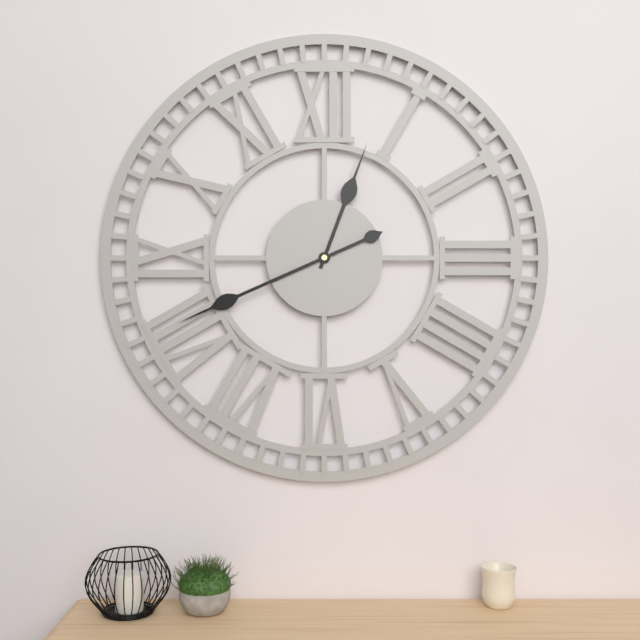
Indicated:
h=12 m=41
